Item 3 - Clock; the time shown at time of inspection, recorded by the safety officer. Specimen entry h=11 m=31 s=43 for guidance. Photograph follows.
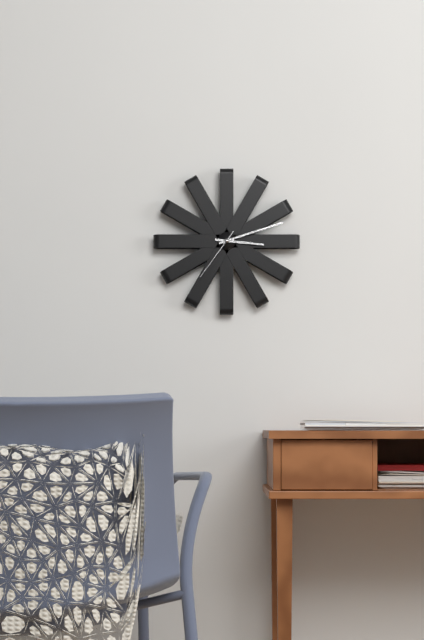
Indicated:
h=3 m=12 s=36
